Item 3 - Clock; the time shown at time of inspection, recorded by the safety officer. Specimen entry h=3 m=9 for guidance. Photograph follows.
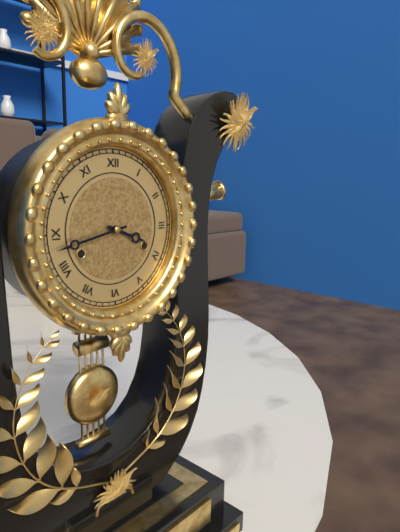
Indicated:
h=3 m=43
